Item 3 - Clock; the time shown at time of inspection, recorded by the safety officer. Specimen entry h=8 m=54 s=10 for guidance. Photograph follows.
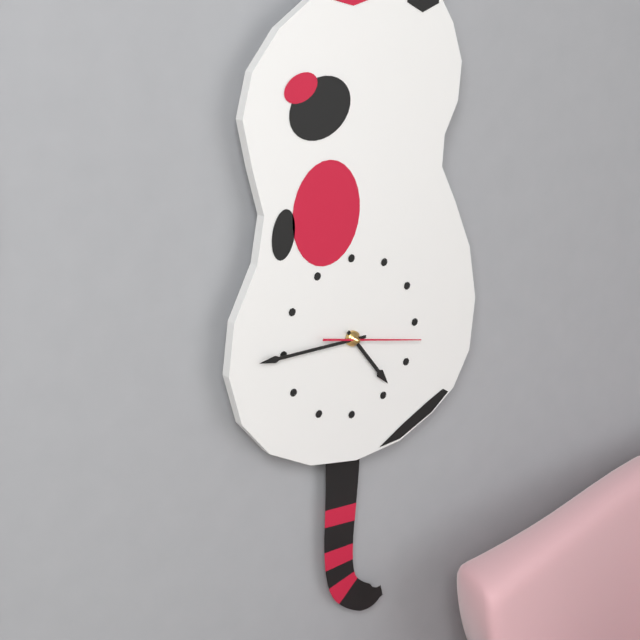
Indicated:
h=4 m=45 s=17
